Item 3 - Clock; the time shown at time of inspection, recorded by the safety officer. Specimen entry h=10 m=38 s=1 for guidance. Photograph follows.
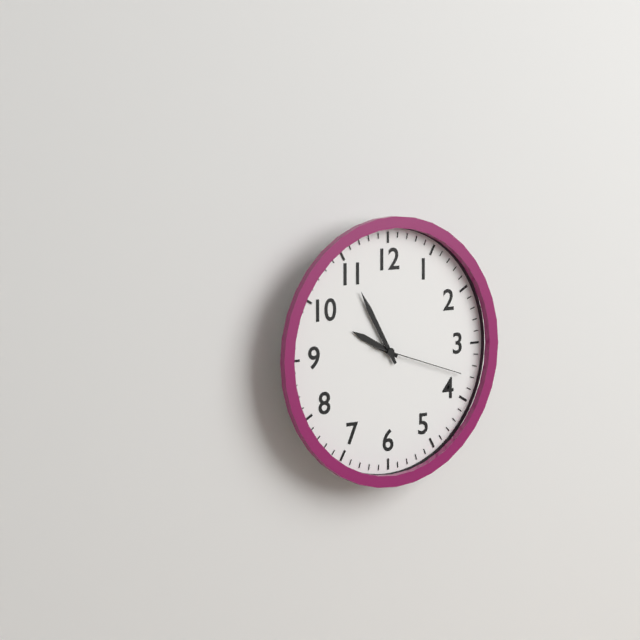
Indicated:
h=9 m=55 s=18
